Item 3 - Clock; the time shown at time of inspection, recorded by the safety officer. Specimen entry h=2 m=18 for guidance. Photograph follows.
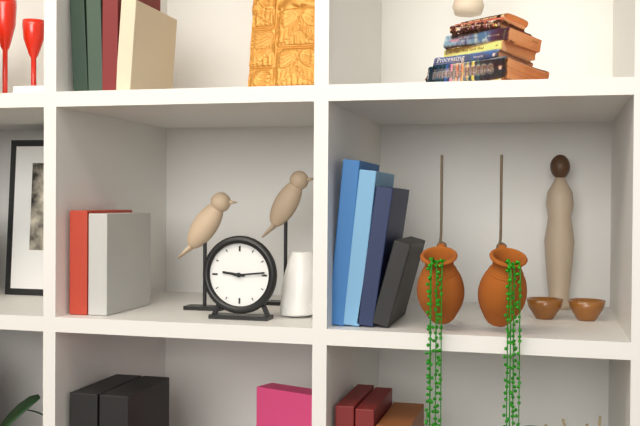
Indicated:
h=9 m=14
